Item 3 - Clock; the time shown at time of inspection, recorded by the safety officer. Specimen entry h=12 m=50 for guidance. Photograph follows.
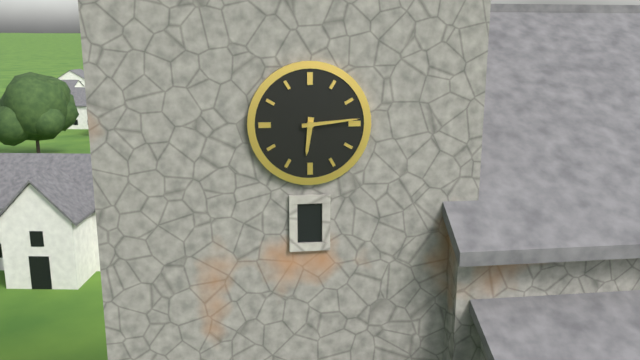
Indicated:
h=6 m=14
